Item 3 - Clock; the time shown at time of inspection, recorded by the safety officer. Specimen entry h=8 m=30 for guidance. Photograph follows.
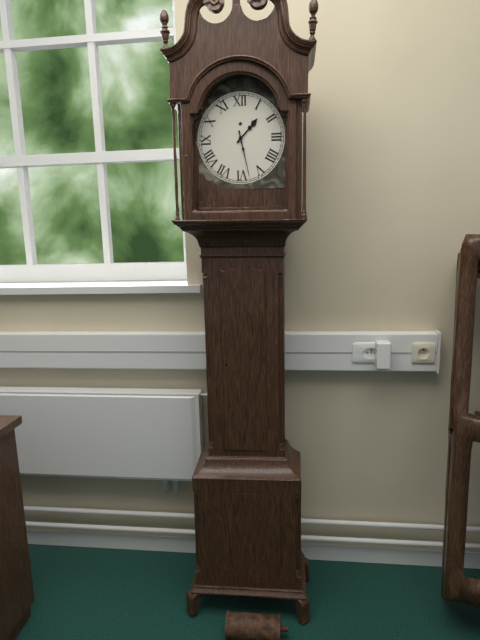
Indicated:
h=1 m=28
